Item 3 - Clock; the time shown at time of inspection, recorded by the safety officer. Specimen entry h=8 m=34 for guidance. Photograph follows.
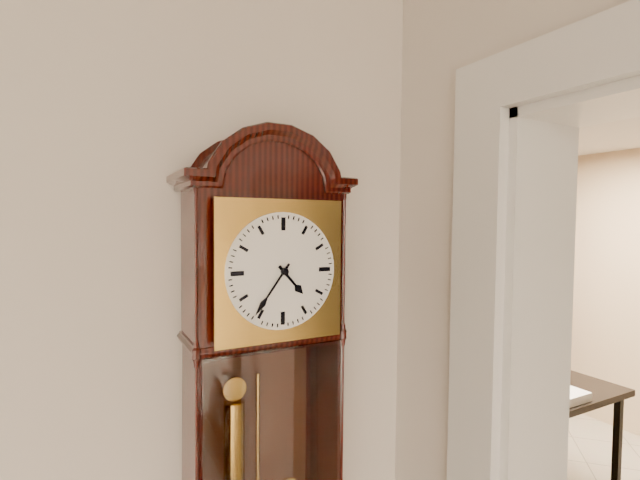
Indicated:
h=4 m=36
